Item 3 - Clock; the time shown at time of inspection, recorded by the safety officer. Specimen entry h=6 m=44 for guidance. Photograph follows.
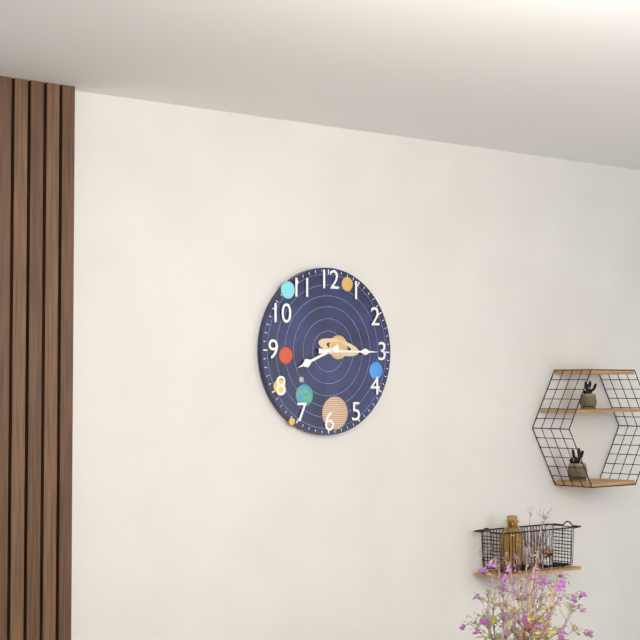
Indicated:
h=8 m=15
